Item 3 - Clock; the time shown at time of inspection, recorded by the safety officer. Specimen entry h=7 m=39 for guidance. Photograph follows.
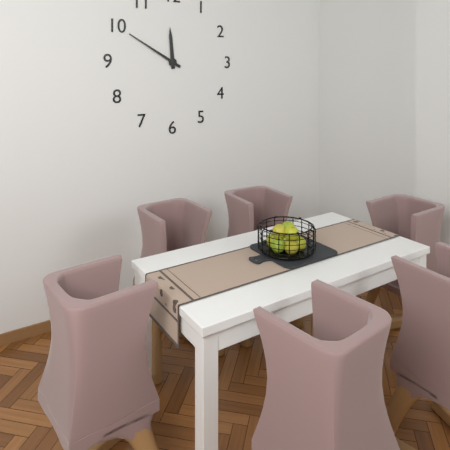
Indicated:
h=11 m=50
